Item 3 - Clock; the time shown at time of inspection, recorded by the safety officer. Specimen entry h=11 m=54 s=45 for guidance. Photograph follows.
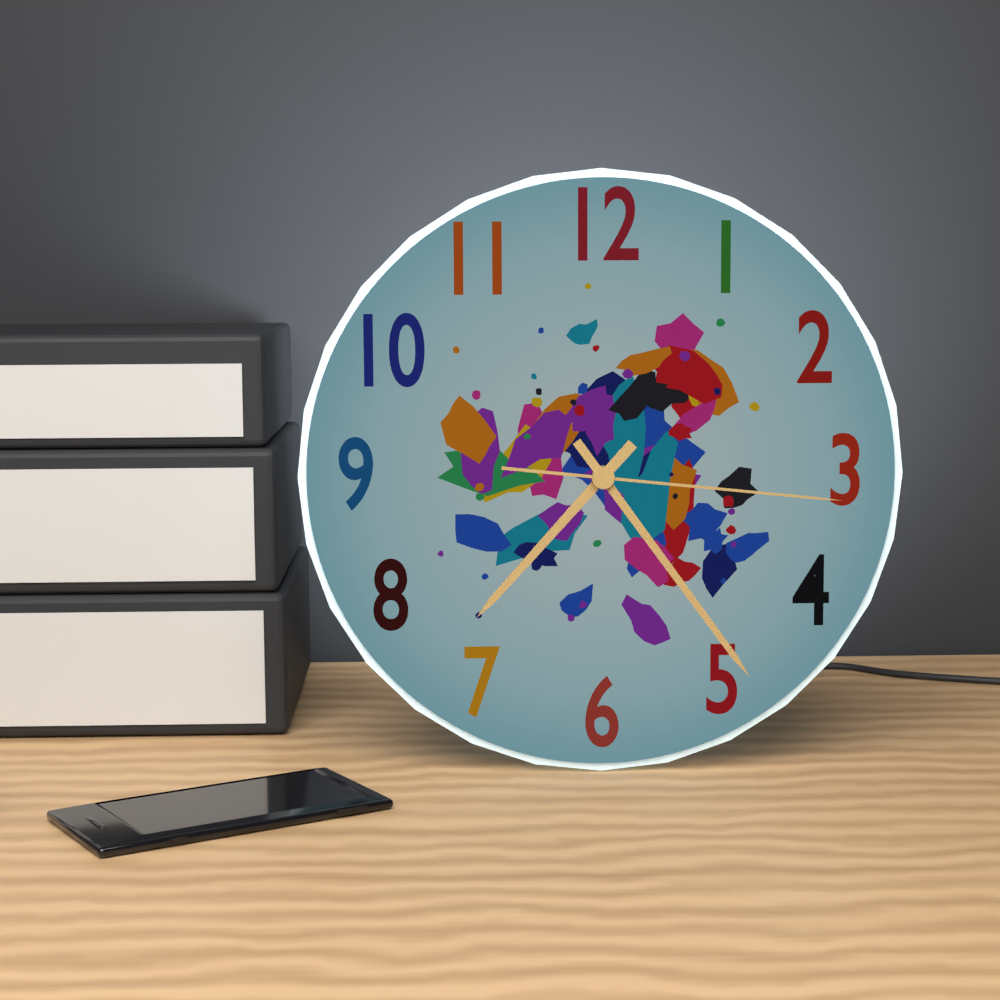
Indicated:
h=7 m=24 s=16
